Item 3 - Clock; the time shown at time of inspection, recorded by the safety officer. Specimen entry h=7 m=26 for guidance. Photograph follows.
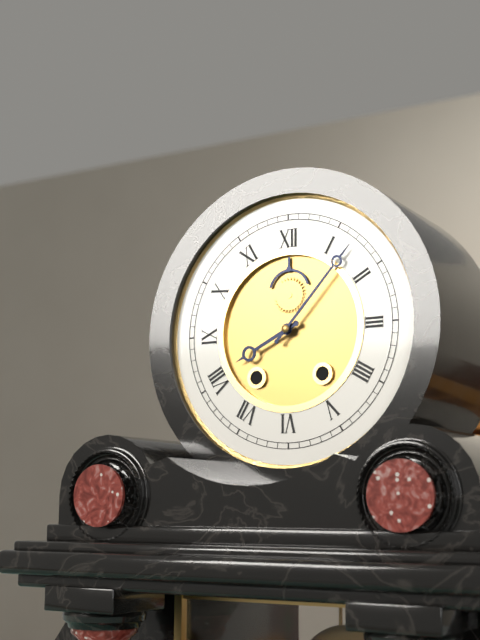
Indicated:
h=8 m=7
